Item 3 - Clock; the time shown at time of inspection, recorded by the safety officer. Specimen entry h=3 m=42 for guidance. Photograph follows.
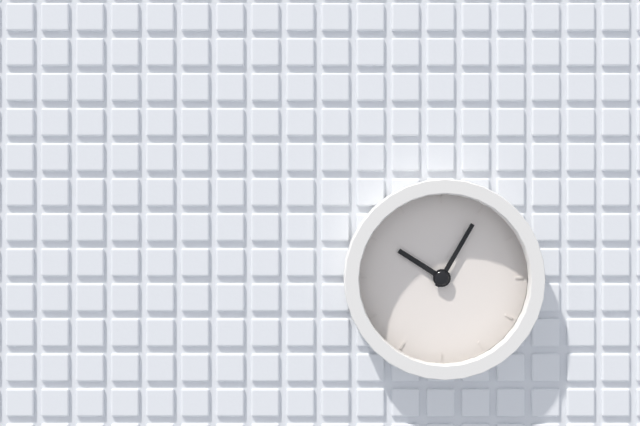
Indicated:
h=10 m=5
